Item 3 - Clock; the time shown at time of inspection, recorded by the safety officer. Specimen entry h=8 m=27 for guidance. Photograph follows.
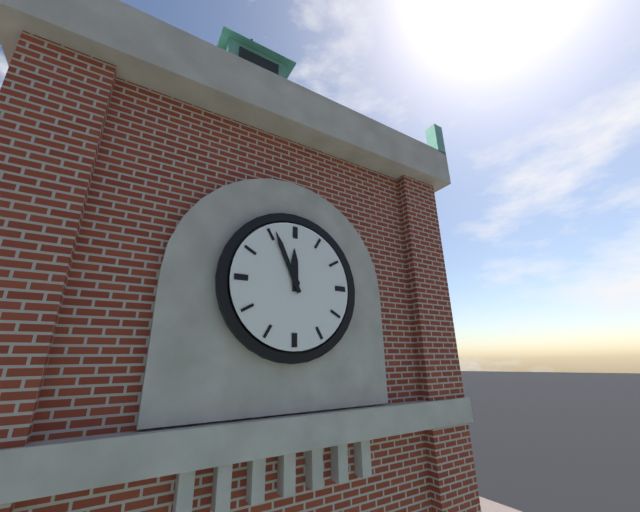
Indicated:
h=11 m=56
